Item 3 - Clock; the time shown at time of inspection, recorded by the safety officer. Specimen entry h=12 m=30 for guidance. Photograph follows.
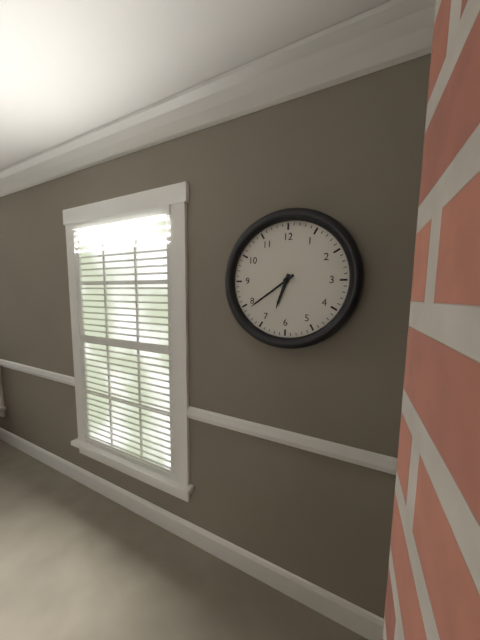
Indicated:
h=6 m=39
